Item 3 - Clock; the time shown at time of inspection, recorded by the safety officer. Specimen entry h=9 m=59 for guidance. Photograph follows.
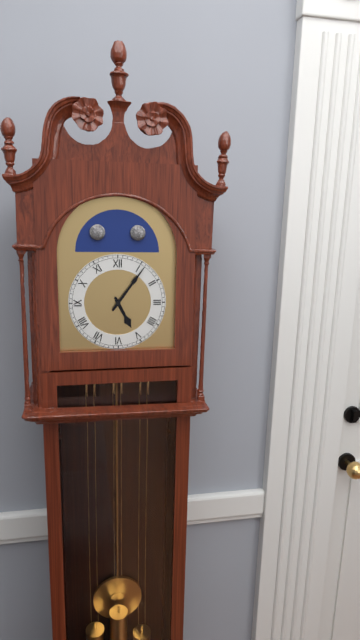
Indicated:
h=5 m=6
